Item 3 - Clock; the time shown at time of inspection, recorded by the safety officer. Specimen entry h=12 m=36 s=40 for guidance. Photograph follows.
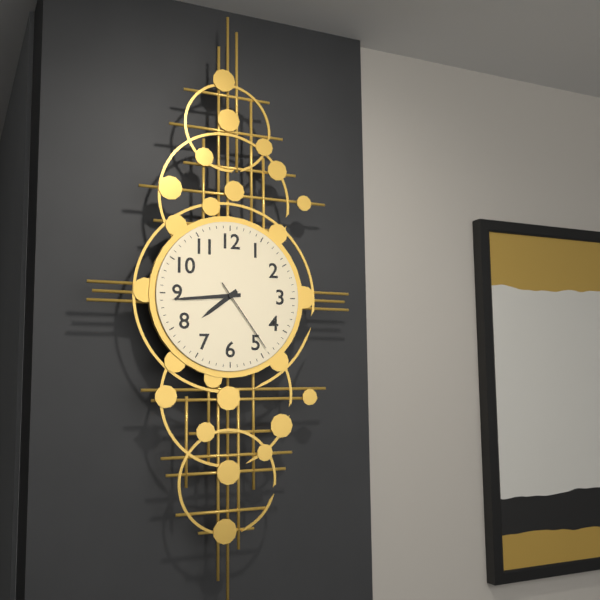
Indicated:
h=7 m=44 s=24
